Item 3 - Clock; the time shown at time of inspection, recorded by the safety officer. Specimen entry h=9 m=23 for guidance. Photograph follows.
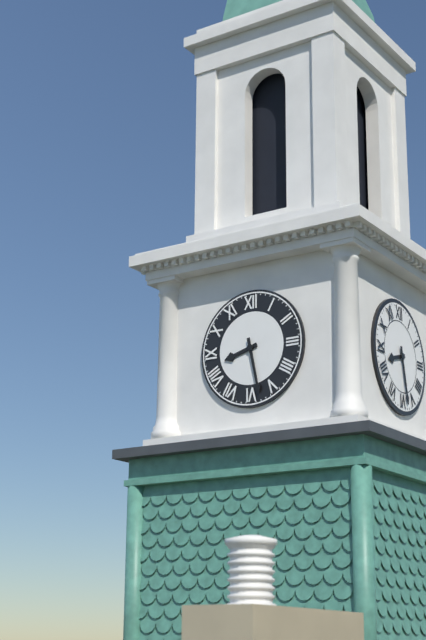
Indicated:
h=8 m=28
